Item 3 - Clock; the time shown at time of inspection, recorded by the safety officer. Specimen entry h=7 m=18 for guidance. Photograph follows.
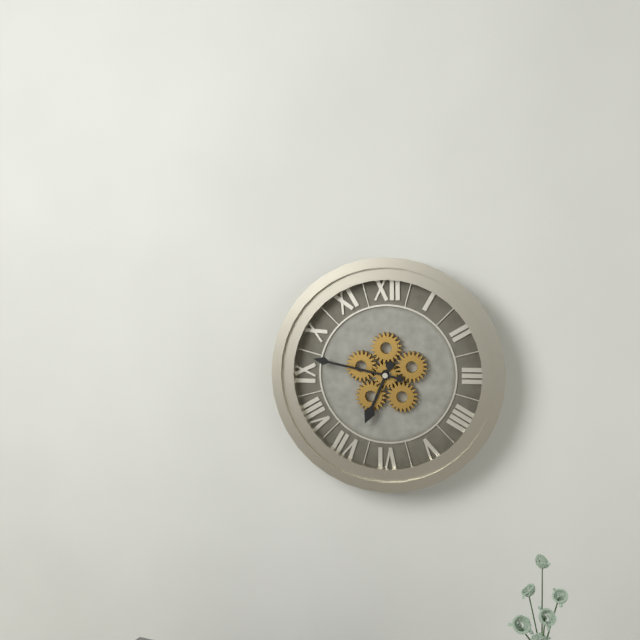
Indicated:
h=6 m=47
